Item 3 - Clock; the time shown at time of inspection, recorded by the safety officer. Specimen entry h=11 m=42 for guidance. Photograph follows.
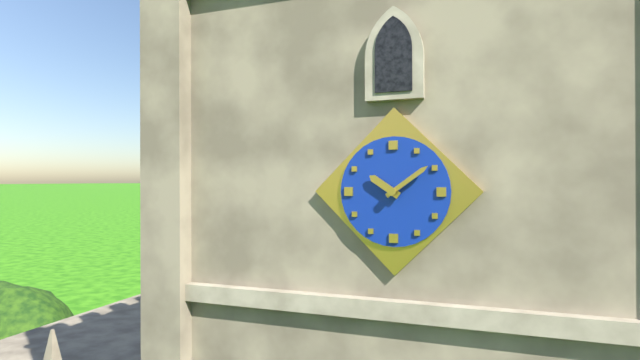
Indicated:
h=10 m=9
